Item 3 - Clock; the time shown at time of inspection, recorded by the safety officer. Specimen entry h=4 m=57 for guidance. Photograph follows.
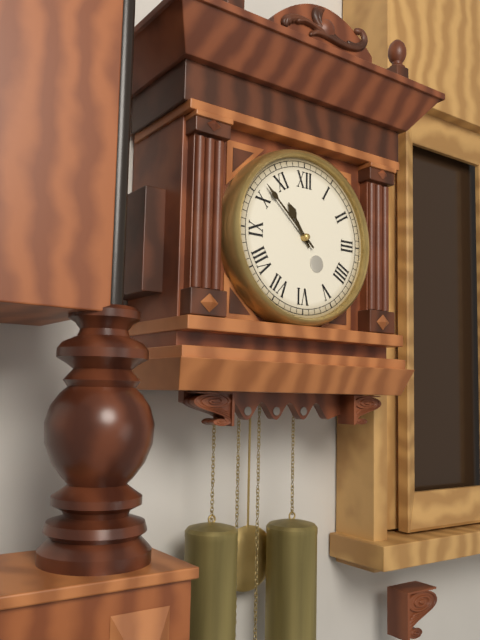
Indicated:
h=10 m=52
